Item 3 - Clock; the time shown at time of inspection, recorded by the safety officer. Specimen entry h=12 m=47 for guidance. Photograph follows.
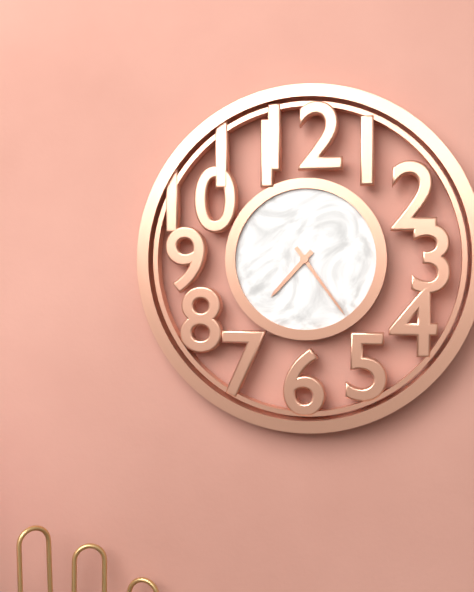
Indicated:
h=7 m=24
